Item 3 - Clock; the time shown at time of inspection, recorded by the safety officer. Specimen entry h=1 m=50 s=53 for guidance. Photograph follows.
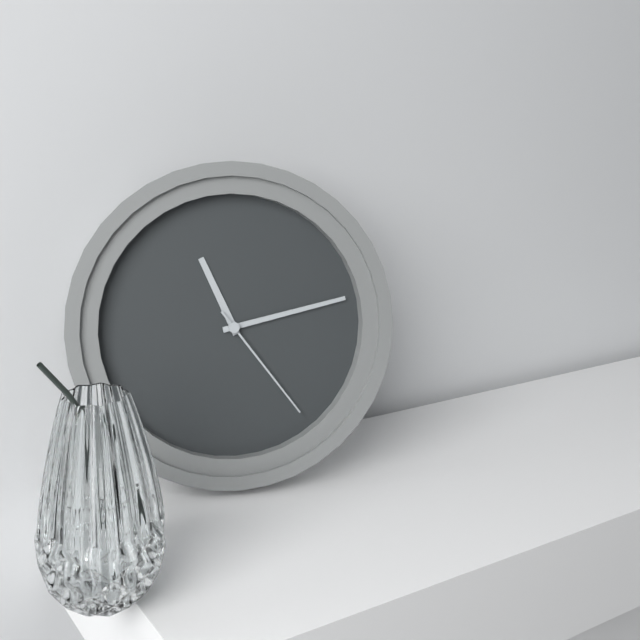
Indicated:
h=11 m=13 s=24
